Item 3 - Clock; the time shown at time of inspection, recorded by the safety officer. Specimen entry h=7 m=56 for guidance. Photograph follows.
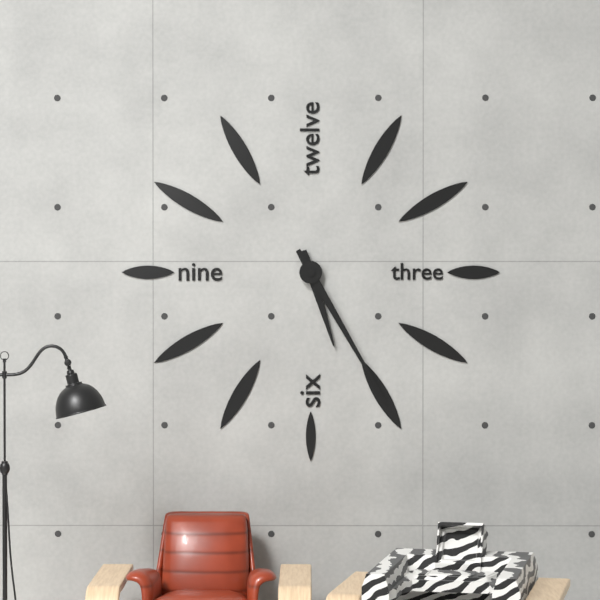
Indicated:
h=5 m=25
